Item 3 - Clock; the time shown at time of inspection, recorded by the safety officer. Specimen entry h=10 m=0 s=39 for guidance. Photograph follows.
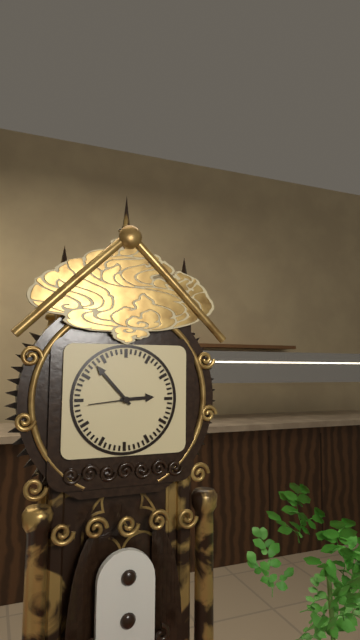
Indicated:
h=2 m=53 s=44
